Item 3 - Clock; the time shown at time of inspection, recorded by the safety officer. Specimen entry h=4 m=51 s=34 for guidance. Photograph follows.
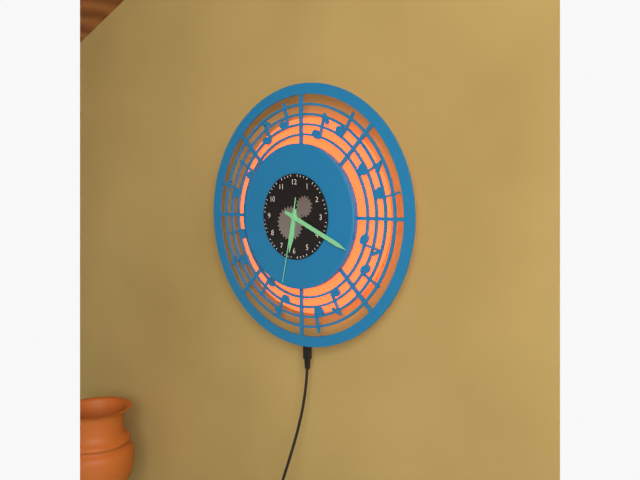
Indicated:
h=6 m=19 s=32
